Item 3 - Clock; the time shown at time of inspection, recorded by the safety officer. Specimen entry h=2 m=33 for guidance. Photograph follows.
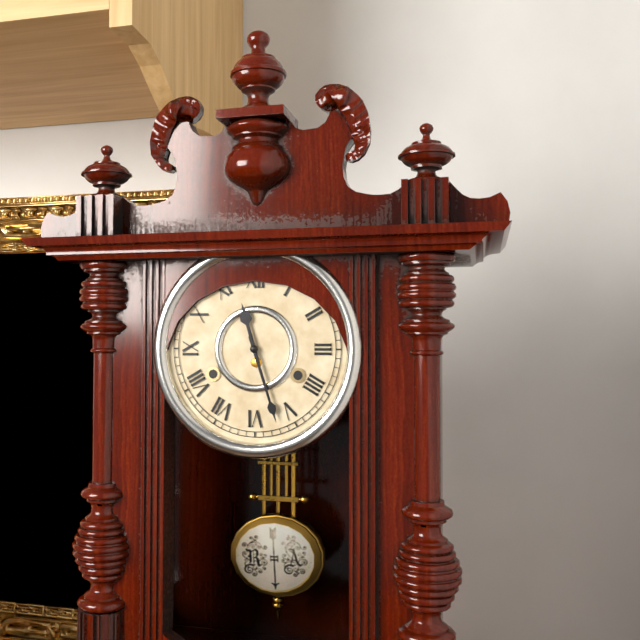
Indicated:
h=11 m=27
